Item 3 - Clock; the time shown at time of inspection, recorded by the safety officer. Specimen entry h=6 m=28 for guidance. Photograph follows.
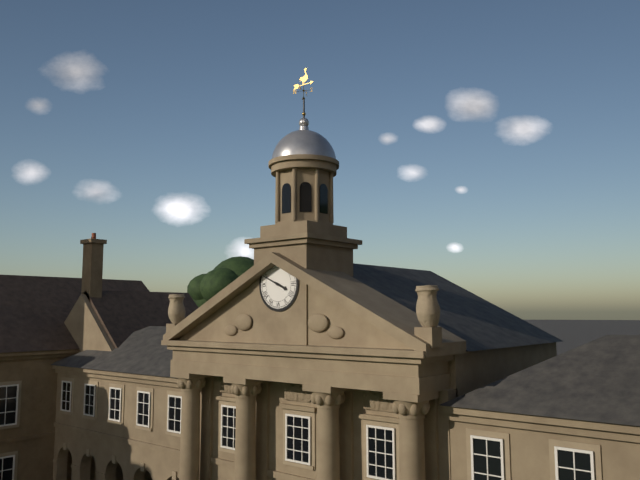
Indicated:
h=3 m=49
